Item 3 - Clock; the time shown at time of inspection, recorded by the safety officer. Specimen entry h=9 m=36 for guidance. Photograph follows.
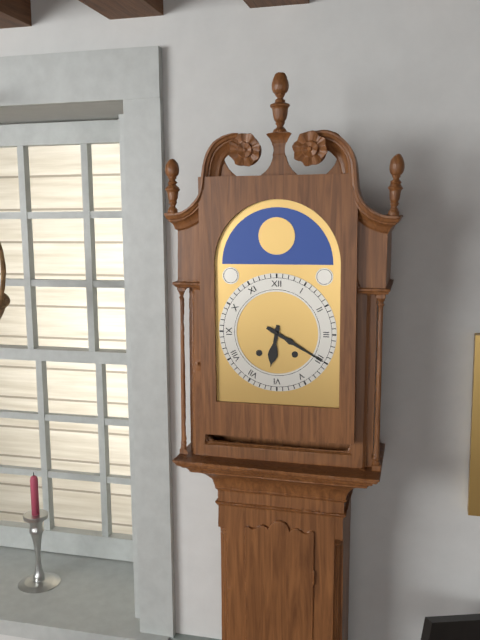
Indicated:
h=6 m=20
